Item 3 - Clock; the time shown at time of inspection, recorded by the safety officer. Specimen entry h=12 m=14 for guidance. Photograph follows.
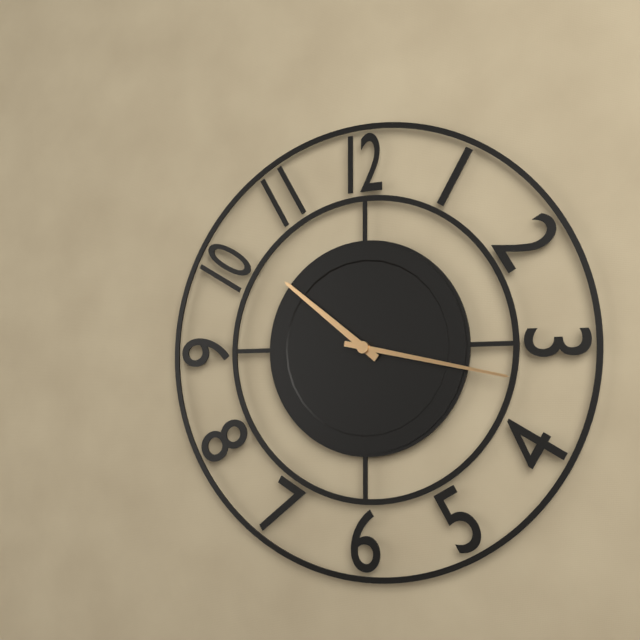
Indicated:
h=10 m=17
